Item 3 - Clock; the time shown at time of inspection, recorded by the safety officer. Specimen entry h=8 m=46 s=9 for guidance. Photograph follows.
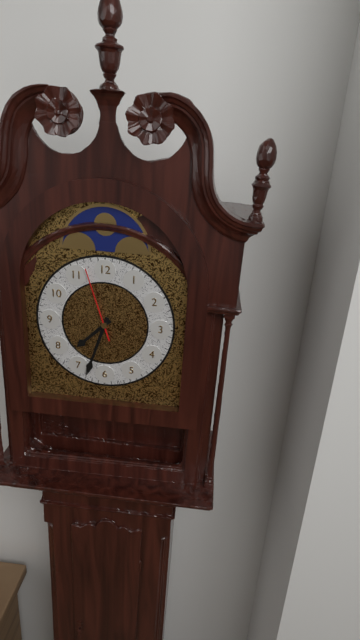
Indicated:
h=7 m=33 s=57
